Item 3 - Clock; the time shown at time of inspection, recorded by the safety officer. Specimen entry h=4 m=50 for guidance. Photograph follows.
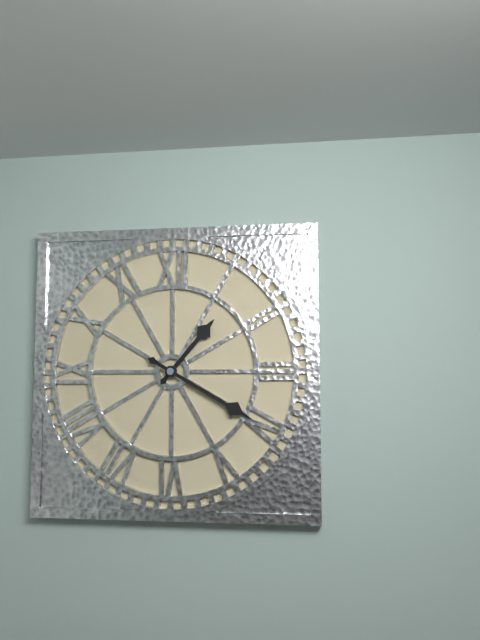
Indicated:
h=1 m=20
